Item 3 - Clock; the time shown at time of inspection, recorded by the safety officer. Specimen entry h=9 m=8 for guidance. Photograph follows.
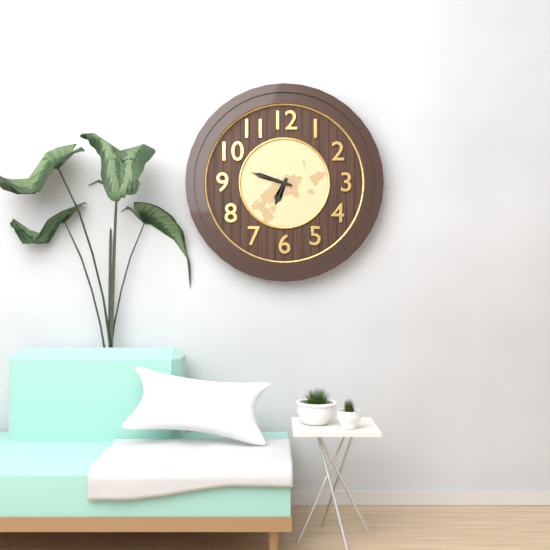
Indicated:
h=6 m=48
